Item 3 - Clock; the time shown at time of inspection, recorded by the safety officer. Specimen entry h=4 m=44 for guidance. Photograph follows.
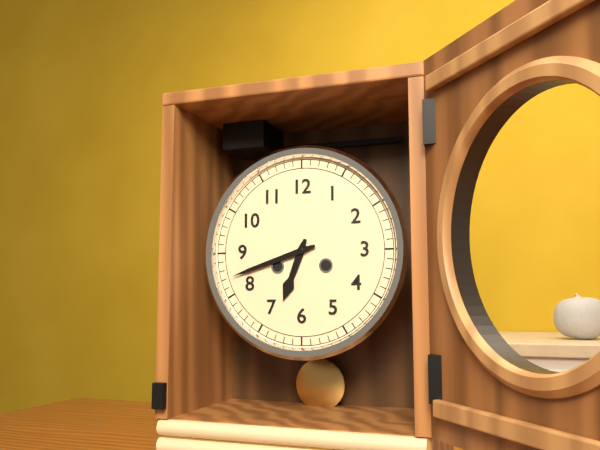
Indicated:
h=6 m=42
